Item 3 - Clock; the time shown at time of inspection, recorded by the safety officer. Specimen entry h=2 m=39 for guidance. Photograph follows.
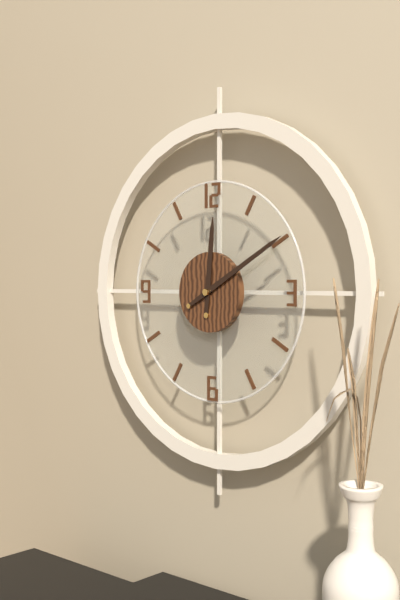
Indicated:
h=12 m=10
